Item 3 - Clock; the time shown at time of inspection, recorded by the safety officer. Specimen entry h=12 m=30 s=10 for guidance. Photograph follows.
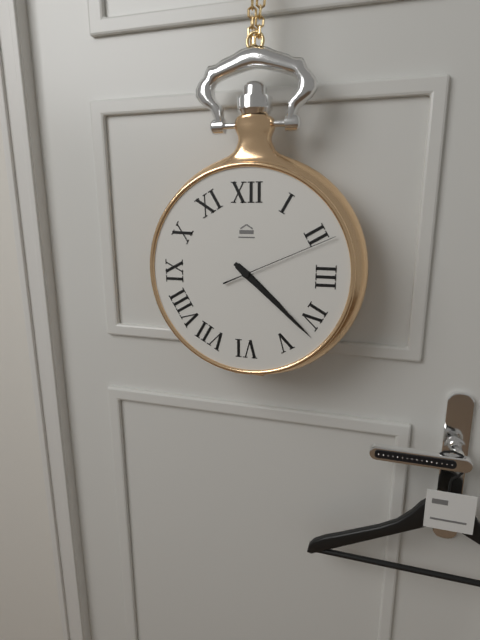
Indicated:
h=4 m=22 s=11
